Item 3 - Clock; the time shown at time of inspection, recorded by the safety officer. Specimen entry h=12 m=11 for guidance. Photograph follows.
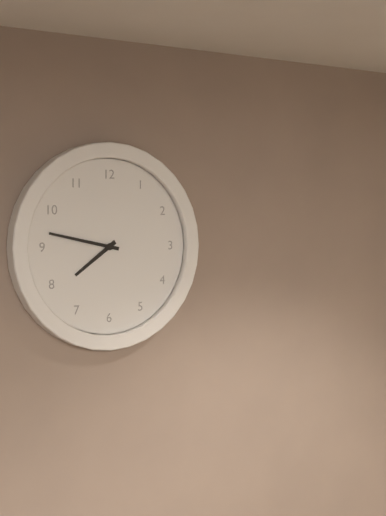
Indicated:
h=7 m=47
